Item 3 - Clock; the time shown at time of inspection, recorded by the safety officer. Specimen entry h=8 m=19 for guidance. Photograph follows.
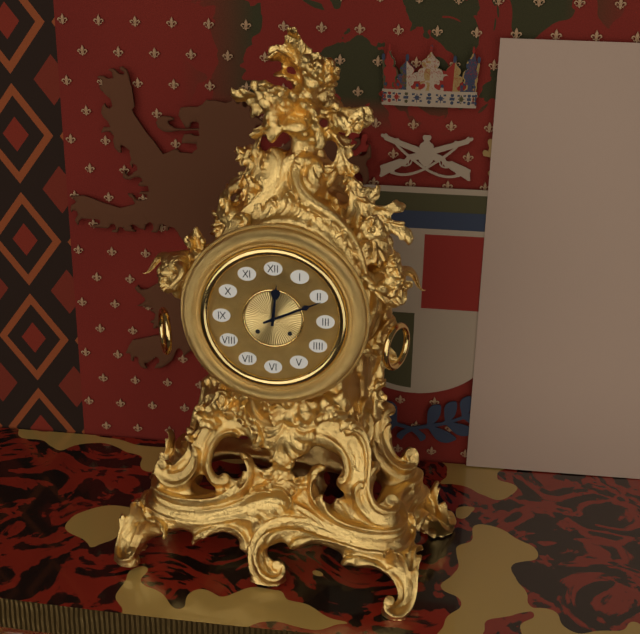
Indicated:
h=12 m=11
